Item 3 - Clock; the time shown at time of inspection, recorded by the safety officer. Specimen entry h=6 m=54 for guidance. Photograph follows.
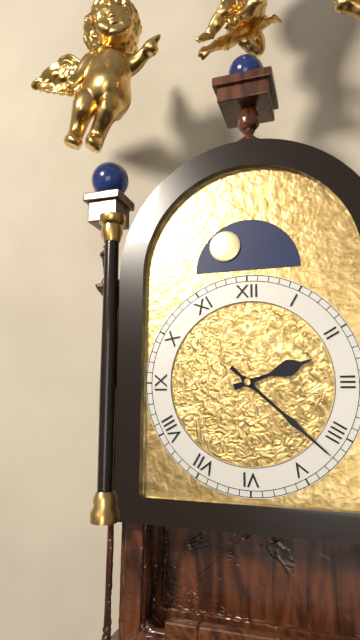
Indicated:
h=2 m=22
